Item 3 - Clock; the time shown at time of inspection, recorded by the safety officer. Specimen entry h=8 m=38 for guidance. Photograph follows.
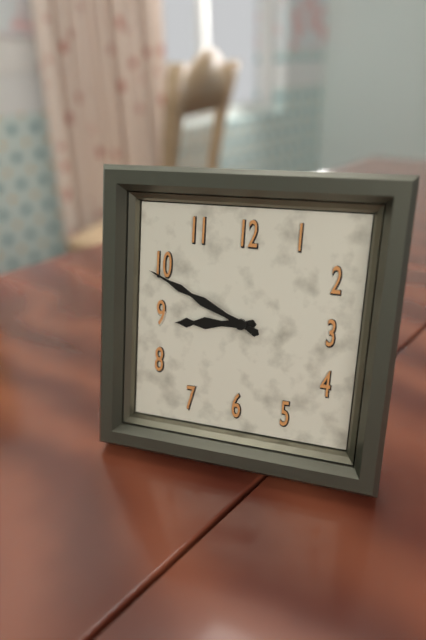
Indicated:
h=8 m=49
